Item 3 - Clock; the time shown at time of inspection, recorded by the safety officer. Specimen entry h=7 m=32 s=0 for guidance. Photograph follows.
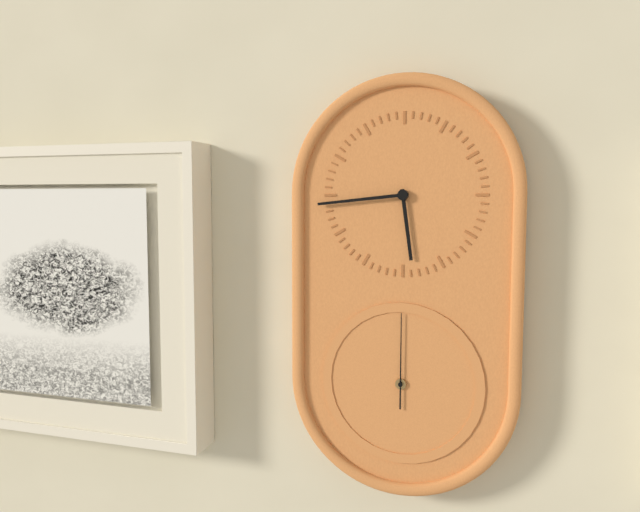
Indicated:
h=5 m=44 s=0
